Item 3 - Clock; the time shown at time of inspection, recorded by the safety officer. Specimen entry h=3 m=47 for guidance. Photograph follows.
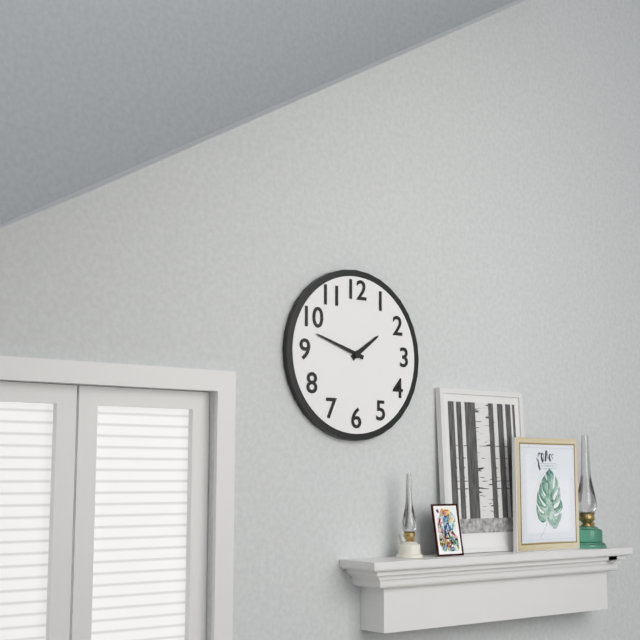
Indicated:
h=1 m=48
